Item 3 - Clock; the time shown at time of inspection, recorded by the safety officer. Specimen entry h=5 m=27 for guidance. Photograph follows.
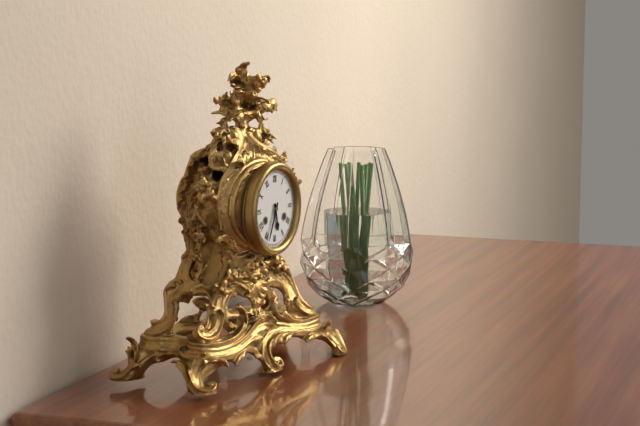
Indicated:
h=5 m=34
